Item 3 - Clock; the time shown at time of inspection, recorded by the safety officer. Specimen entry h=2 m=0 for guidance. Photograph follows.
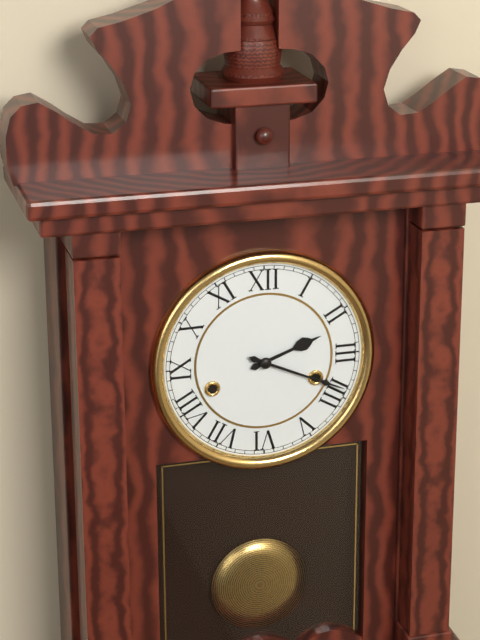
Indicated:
h=2 m=19
